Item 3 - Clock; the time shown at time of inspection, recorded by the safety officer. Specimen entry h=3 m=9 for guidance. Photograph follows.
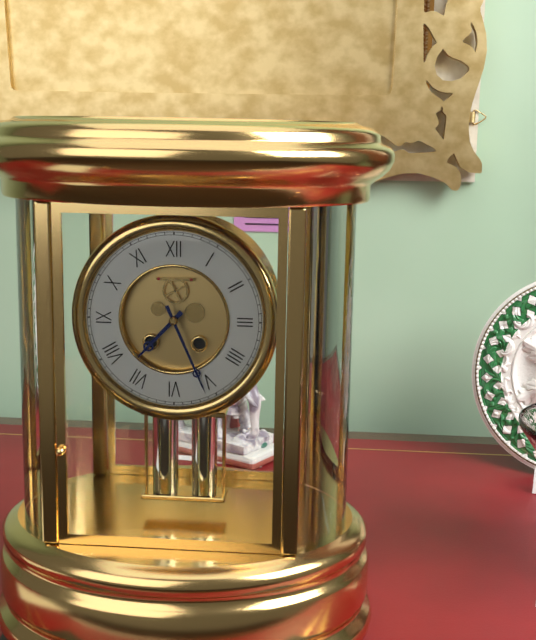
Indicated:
h=7 m=26
